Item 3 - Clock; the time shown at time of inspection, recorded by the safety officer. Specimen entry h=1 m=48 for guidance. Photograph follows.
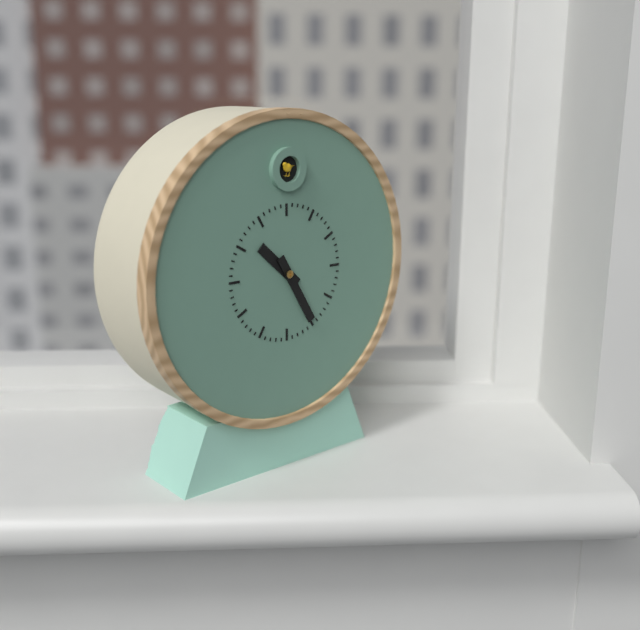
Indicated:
h=10 m=25
